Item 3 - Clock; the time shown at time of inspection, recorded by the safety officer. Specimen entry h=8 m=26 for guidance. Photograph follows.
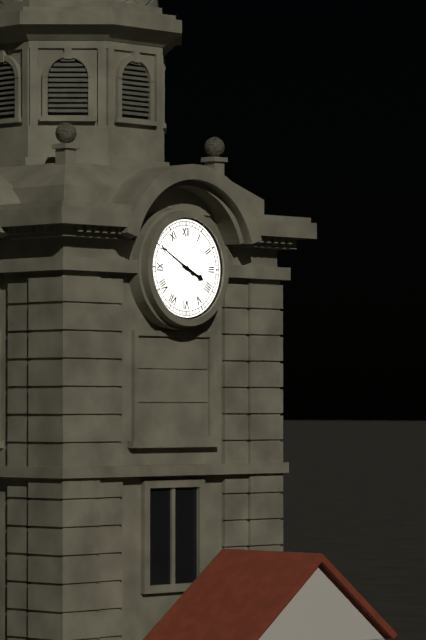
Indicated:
h=3 m=50
